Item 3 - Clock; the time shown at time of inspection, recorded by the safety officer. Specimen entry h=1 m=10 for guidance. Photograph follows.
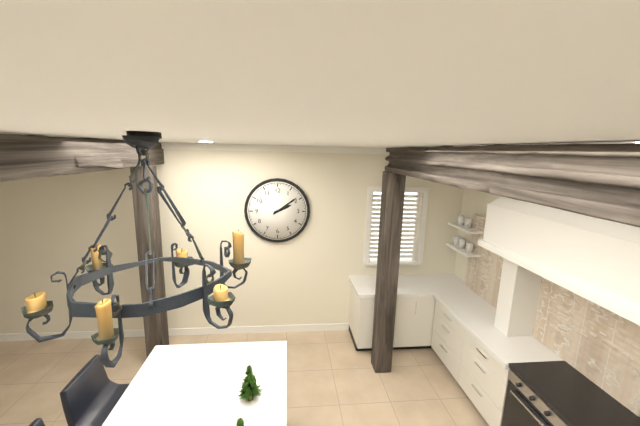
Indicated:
h=2 m=9
